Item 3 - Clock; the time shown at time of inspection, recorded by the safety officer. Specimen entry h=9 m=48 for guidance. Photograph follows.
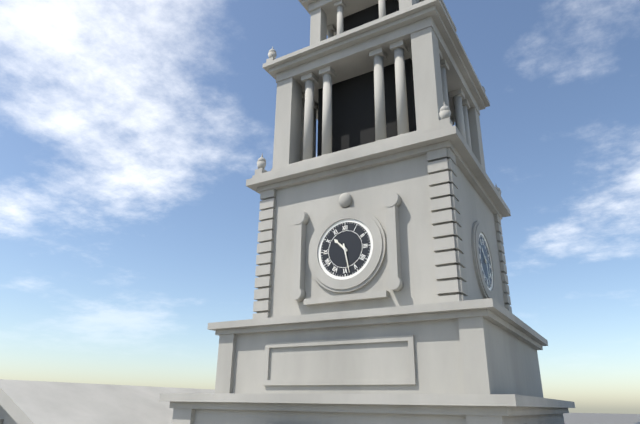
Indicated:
h=10 m=28
